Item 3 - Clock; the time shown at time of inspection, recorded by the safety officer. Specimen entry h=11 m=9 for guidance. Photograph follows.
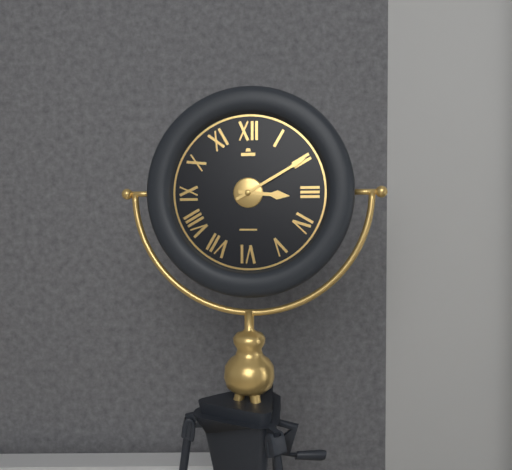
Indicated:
h=3 m=10
